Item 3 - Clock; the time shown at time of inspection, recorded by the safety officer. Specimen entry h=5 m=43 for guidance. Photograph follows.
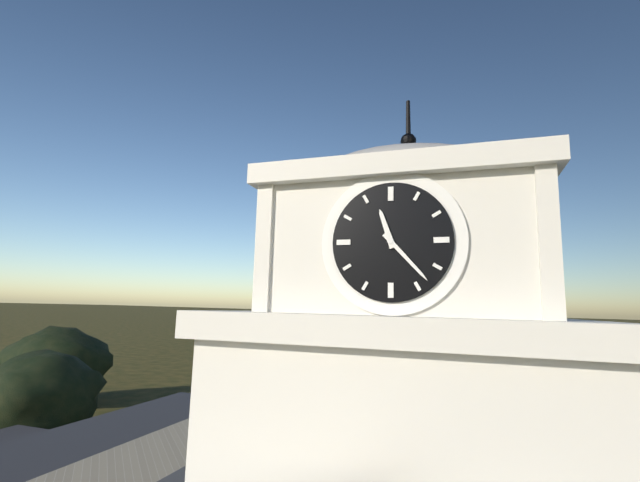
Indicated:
h=11 m=23
